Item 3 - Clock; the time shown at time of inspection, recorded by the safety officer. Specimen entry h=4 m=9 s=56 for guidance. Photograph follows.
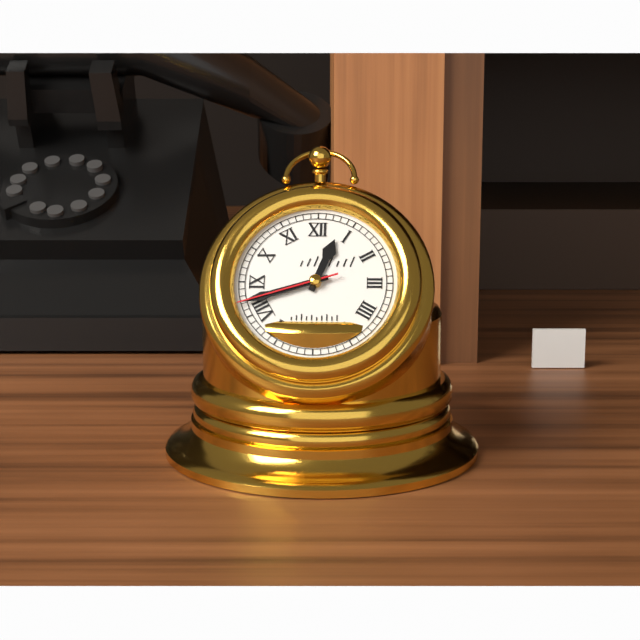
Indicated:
h=12 m=42 s=42
